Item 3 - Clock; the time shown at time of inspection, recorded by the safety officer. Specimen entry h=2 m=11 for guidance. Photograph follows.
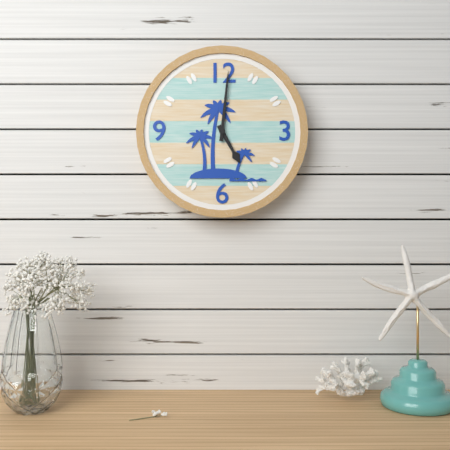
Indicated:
h=5 m=1
